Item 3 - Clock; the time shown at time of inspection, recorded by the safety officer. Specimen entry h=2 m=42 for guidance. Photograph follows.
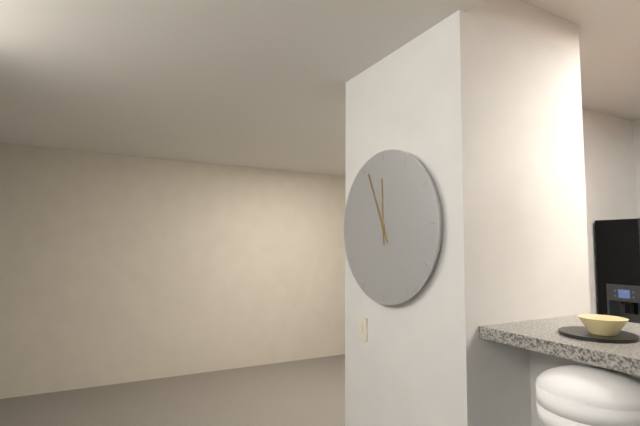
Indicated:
h=11 m=56
